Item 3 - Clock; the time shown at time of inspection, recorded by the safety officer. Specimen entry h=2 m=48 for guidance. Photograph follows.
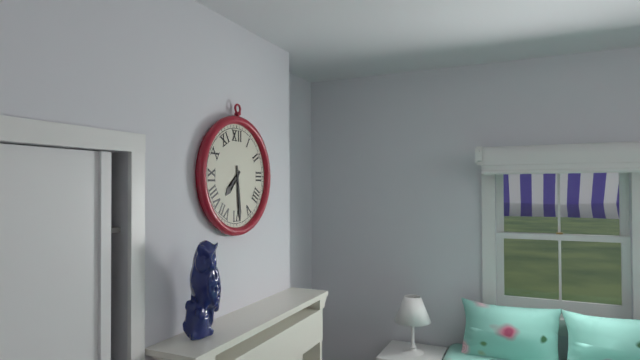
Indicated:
h=7 m=29
